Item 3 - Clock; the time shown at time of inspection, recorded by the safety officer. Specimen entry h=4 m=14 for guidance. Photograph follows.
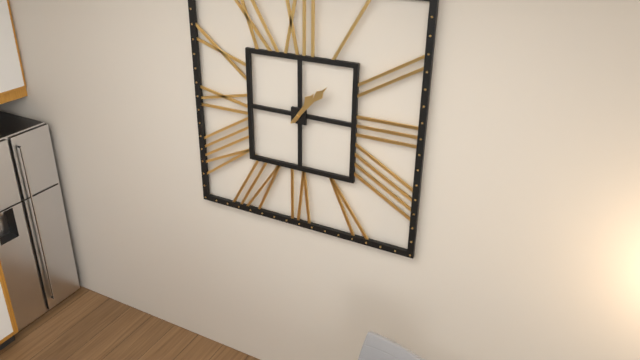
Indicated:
h=1 m=7
